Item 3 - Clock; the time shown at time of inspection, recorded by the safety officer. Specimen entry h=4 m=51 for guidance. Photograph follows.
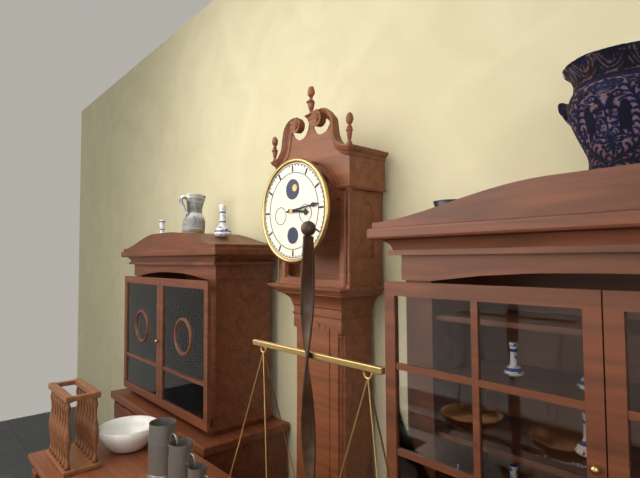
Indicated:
h=3 m=14
